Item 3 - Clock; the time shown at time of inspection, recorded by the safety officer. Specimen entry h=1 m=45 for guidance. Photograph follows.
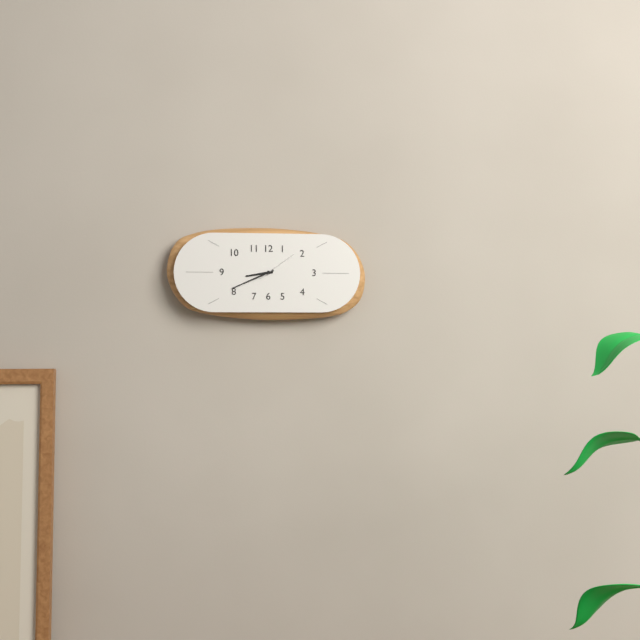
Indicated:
h=8 m=41
